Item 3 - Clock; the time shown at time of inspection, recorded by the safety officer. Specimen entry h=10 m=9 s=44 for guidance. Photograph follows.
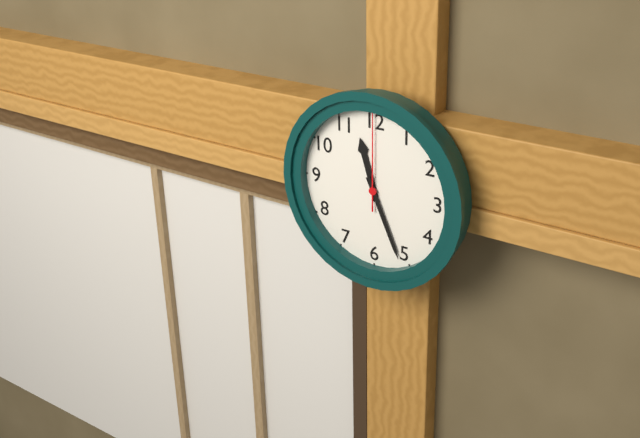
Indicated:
h=11 m=26 s=0
